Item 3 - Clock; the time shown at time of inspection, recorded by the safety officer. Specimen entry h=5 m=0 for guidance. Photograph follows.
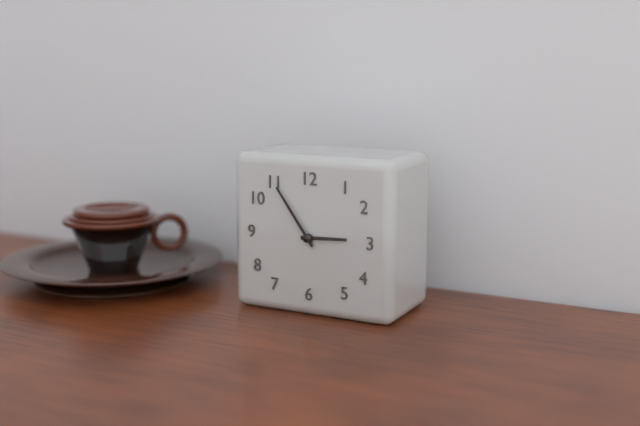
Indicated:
h=2 m=54
